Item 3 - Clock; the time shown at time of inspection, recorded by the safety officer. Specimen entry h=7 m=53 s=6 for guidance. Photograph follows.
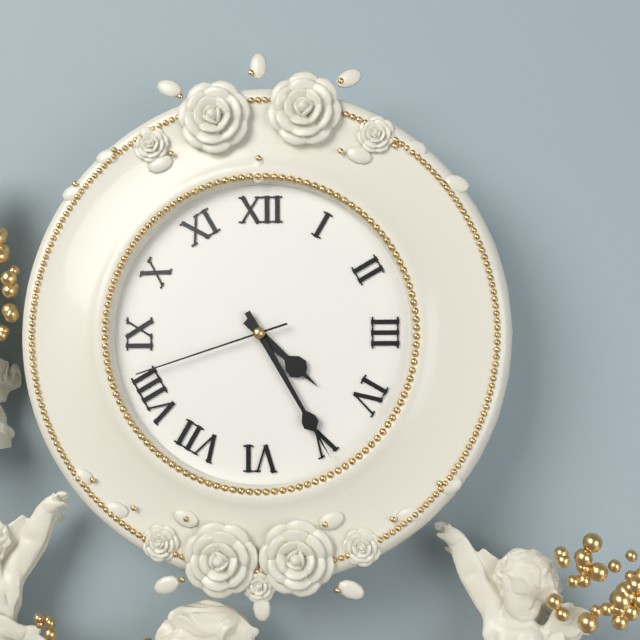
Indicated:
h=4 m=25 s=42
